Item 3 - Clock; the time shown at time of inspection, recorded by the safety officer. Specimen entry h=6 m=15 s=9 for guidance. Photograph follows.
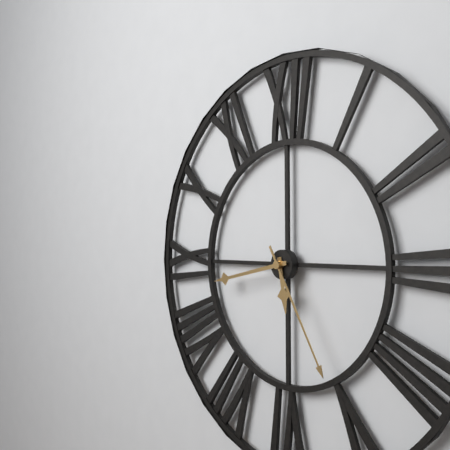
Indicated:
h=5 m=43 s=25
